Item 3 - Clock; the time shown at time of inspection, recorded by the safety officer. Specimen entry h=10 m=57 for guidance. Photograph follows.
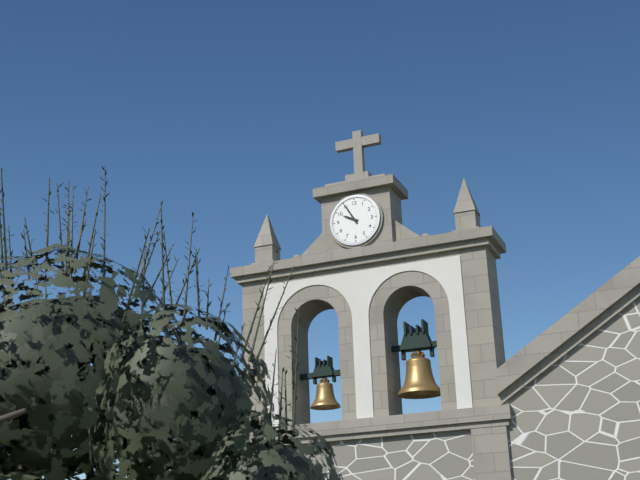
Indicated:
h=9 m=55
